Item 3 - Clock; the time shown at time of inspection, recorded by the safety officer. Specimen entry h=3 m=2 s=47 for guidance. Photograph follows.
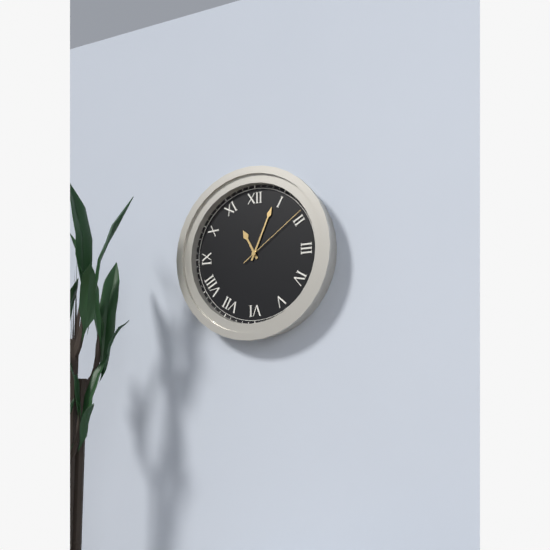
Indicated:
h=11 m=4 s=9
